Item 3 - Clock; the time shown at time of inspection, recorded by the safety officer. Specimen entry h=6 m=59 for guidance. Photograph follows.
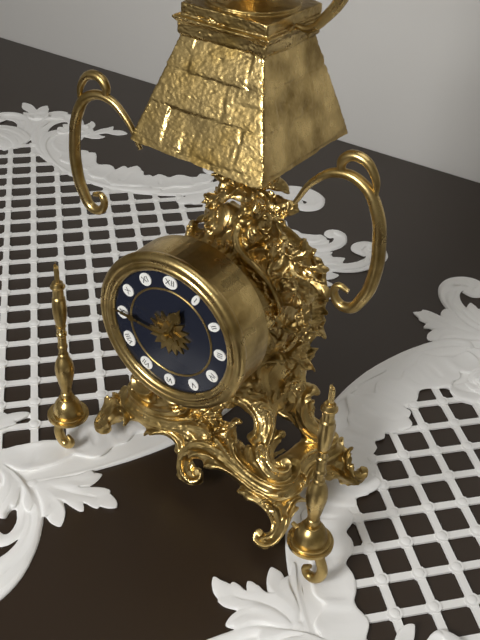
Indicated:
h=12 m=46
